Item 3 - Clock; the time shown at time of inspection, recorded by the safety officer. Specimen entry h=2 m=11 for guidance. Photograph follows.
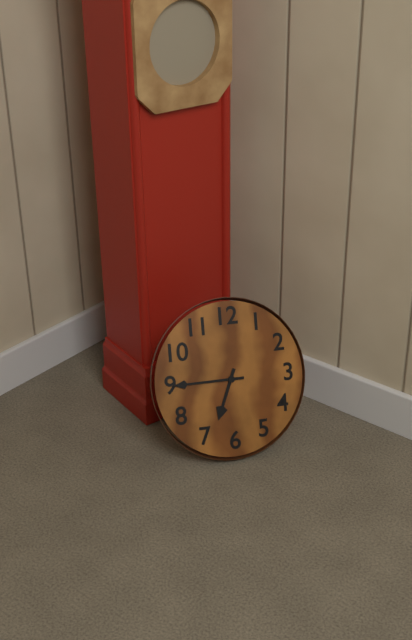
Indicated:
h=6 m=45
